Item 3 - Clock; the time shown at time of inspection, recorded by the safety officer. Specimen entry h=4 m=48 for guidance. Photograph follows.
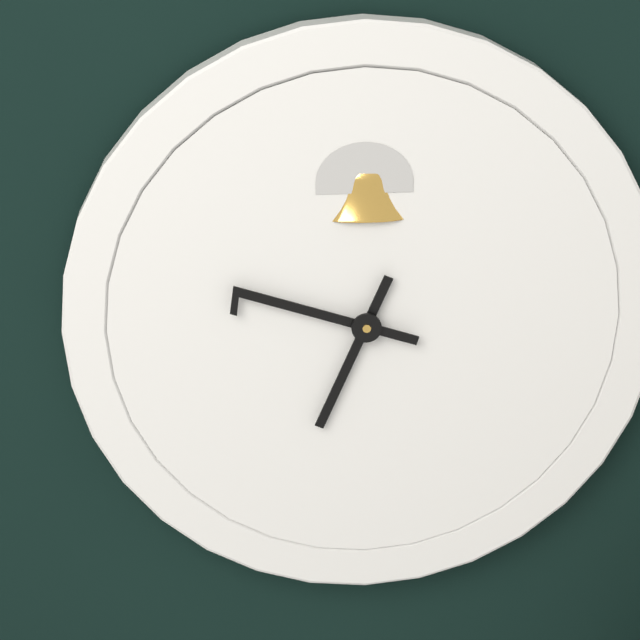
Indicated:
h=6 m=48
